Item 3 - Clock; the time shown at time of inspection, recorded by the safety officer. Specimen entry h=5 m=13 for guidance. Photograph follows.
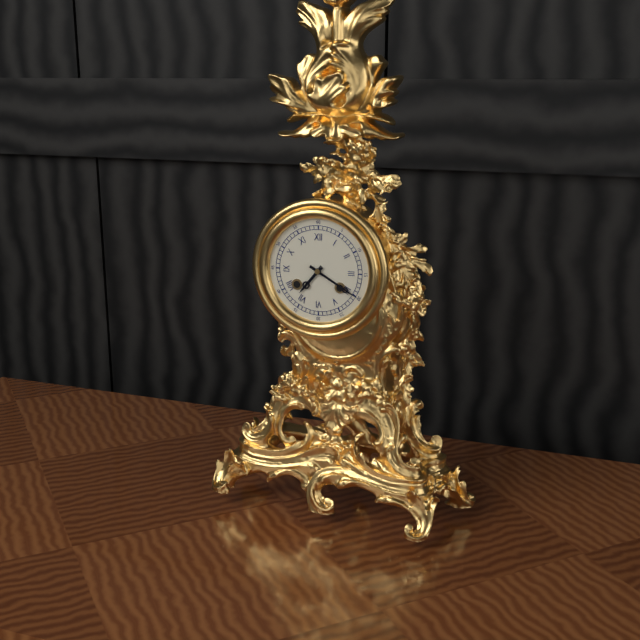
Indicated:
h=7 m=20
